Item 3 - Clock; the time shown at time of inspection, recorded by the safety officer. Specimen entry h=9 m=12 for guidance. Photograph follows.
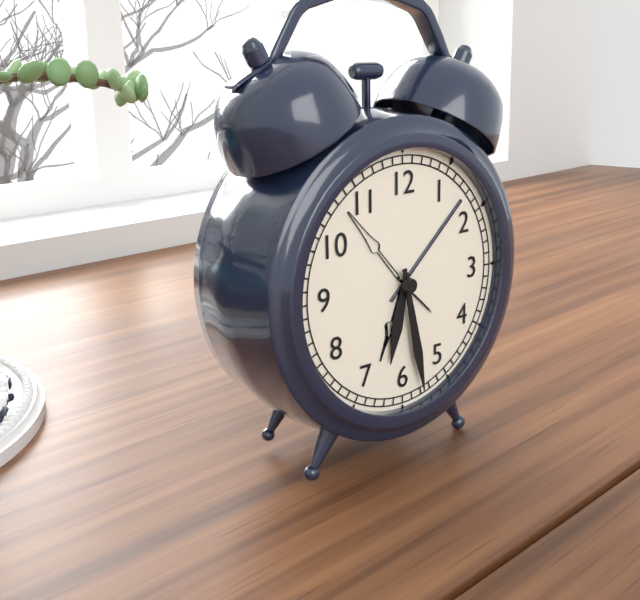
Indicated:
h=6 m=28
